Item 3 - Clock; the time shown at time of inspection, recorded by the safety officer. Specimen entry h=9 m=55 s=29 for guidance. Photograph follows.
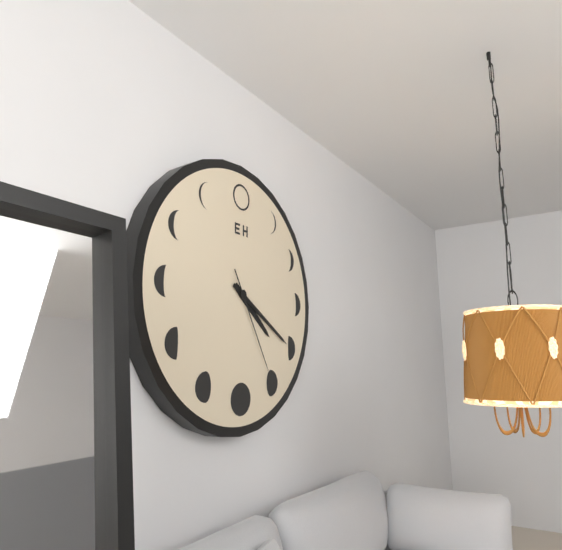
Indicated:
h=4 m=20 s=25
